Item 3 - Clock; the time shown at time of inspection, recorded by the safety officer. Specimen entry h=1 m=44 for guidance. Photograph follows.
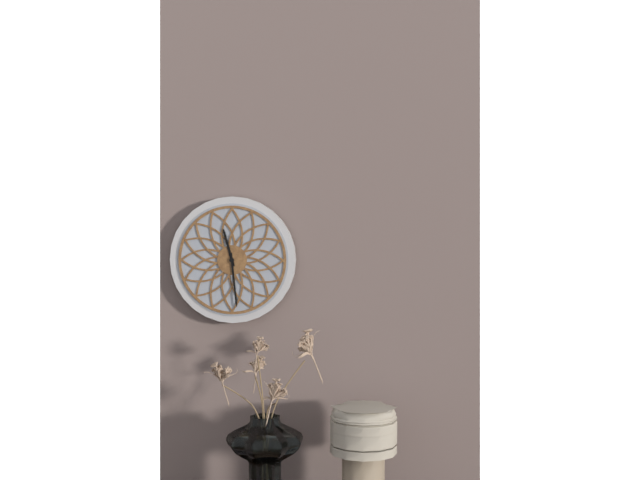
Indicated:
h=11 m=29
